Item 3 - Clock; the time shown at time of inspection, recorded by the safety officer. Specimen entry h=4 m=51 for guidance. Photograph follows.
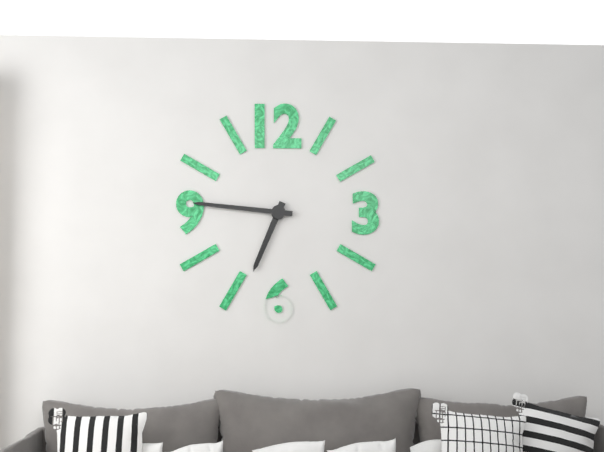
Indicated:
h=6 m=46
